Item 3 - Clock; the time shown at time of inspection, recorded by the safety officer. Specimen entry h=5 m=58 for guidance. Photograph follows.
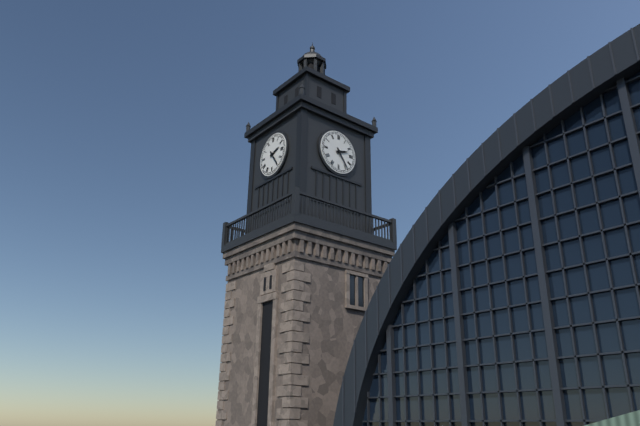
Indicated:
h=2 m=24
